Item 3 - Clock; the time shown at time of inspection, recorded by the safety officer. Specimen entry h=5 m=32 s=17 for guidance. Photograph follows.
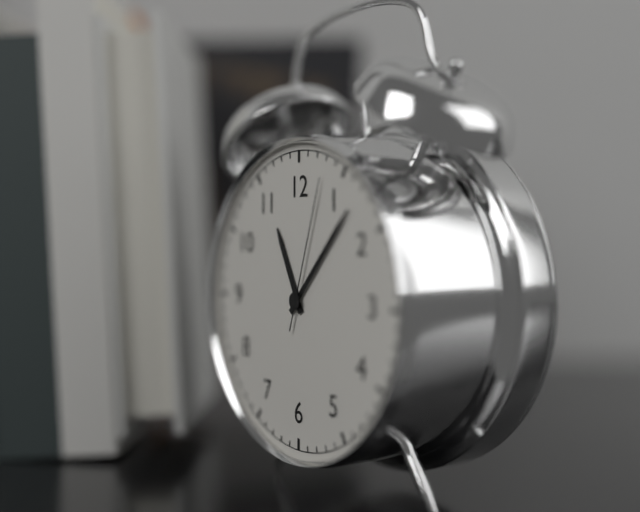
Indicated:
h=11 m=7 s=3
